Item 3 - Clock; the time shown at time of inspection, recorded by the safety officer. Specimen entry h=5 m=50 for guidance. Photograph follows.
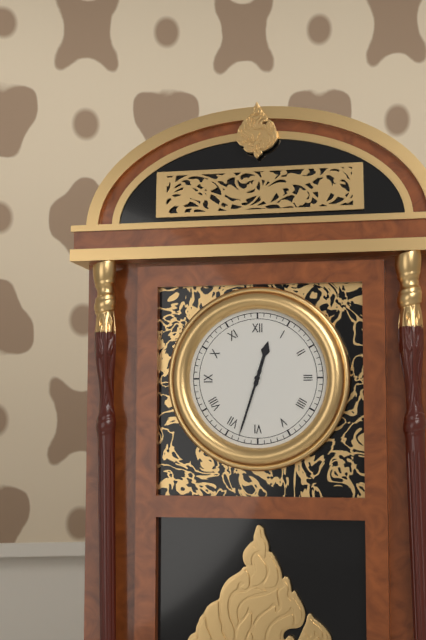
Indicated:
h=12 m=33
